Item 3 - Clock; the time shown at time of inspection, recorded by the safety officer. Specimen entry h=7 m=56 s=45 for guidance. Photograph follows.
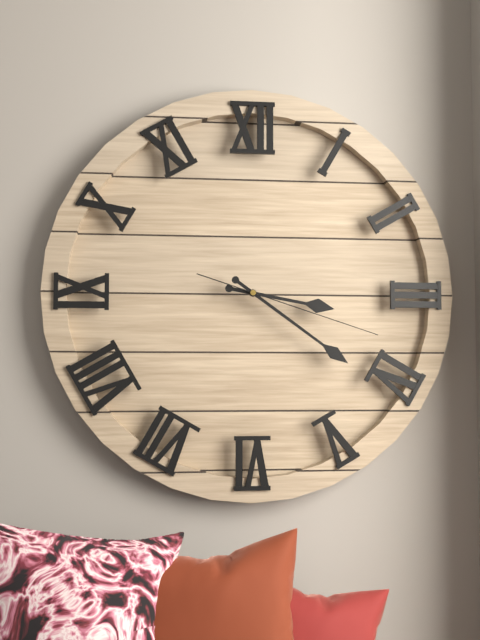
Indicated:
h=3 m=21 s=18
